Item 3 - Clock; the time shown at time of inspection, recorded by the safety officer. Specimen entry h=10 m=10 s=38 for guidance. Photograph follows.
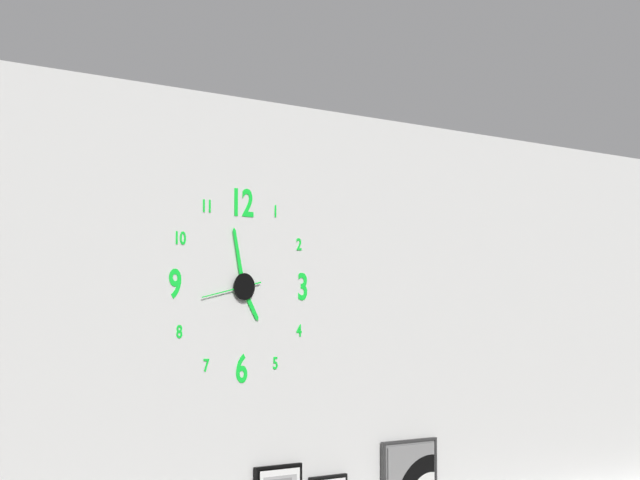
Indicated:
h=4 m=58 s=43
